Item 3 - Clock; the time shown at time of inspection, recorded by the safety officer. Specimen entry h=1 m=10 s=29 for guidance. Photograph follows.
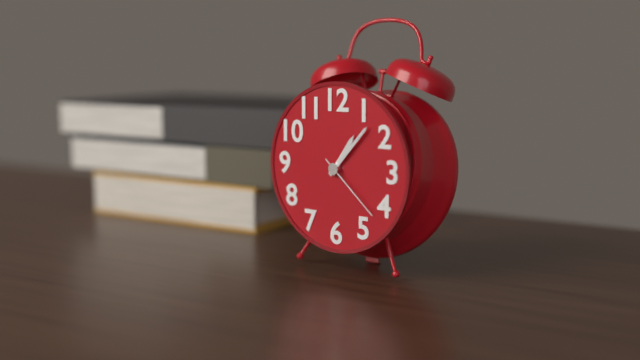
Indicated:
h=1 m=7 s=22
